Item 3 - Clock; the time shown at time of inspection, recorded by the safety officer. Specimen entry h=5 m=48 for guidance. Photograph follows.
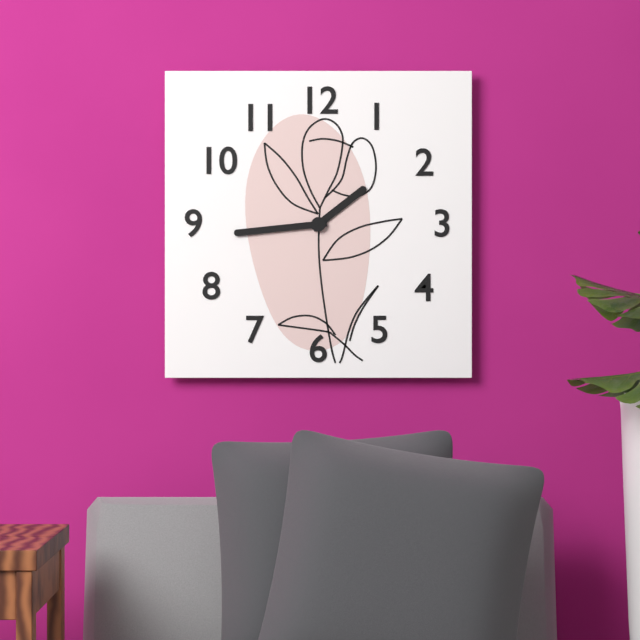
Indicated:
h=1 m=44
